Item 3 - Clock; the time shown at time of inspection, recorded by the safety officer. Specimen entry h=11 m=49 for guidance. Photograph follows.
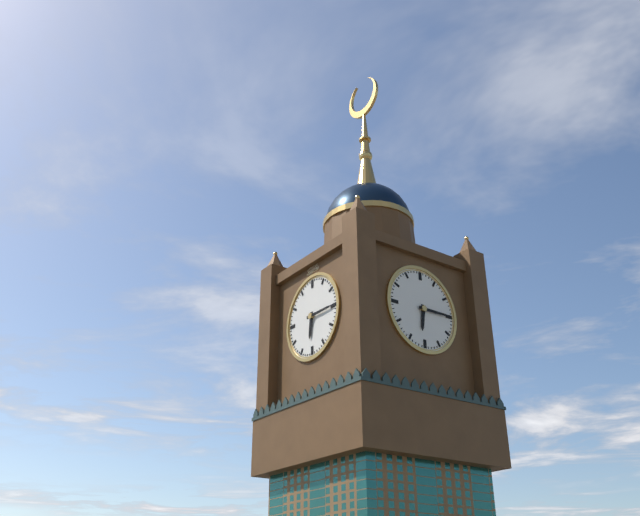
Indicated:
h=6 m=15
